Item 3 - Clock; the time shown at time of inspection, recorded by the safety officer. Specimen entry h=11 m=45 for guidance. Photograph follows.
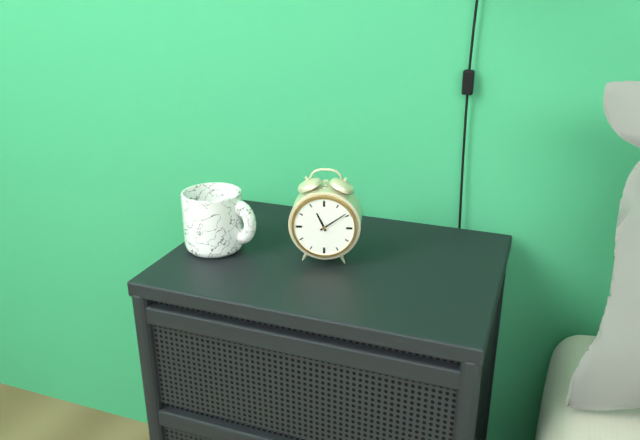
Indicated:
h=11 m=9
